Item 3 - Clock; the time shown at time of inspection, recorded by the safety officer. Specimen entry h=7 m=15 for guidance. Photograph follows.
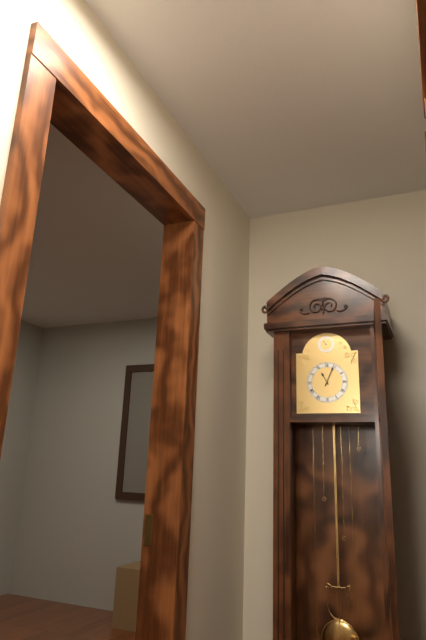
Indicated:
h=11 m=4
